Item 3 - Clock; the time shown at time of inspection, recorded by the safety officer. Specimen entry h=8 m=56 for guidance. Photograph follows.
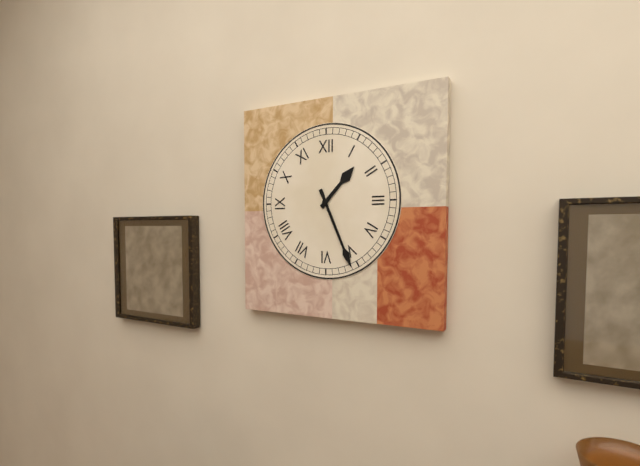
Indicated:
h=1 m=26
